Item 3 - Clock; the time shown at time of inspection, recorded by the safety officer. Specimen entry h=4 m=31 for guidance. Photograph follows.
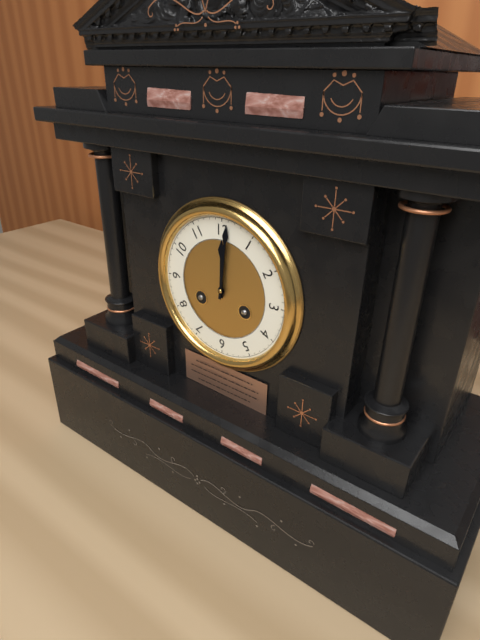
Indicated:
h=12 m=1
